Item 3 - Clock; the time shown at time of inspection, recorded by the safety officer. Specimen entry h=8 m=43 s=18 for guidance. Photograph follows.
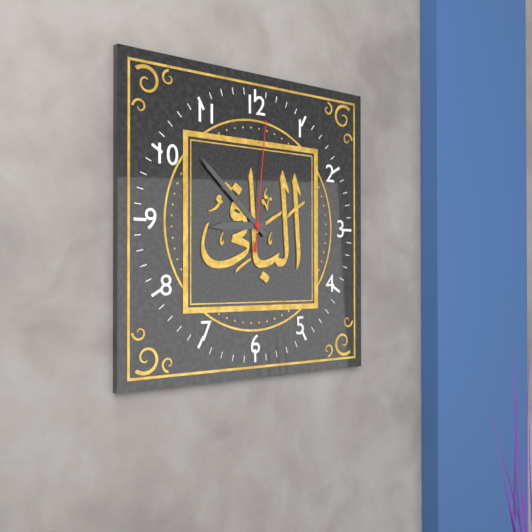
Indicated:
h=8 m=52 s=1
